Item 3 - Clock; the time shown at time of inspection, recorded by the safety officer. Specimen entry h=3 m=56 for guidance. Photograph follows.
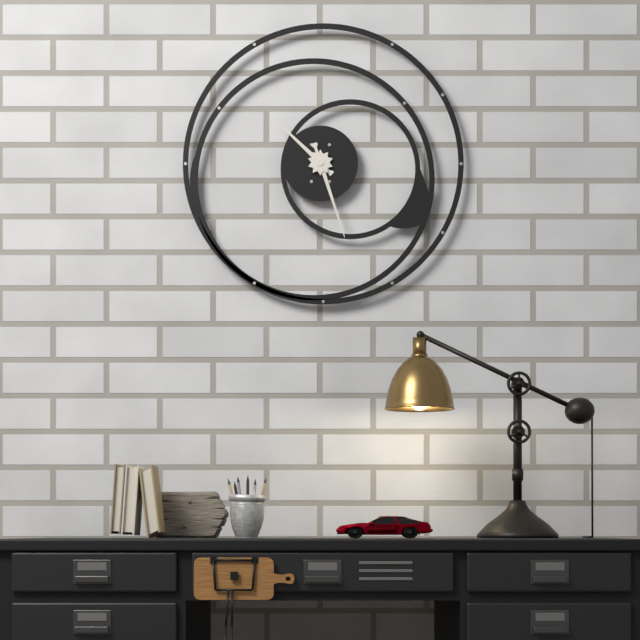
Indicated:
h=10 m=27
